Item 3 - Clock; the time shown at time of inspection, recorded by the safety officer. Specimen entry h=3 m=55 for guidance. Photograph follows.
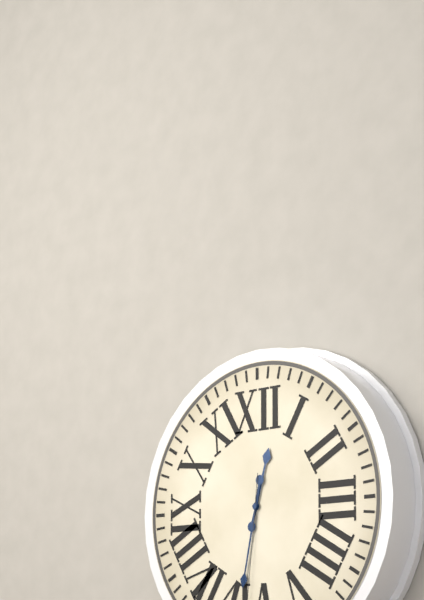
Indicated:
h=12 m=32
